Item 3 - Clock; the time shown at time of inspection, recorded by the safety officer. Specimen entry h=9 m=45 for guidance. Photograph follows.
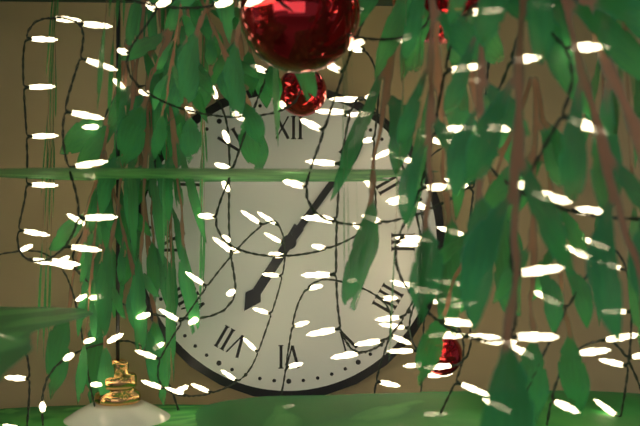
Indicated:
h=7 m=6
